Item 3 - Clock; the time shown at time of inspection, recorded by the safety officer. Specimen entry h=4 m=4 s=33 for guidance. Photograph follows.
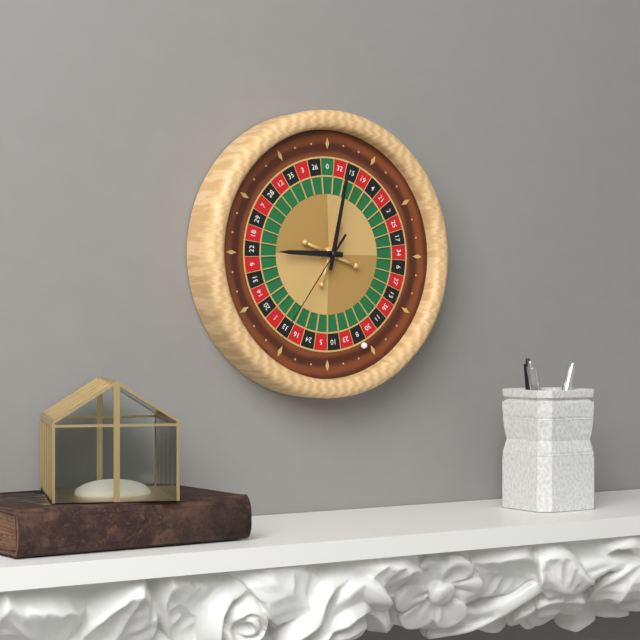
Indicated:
h=9 m=2 s=36
